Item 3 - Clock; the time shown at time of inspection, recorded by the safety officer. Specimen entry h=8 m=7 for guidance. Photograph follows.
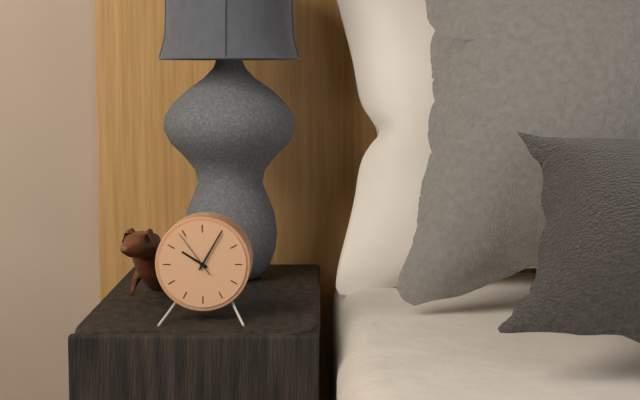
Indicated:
h=10 m=5
